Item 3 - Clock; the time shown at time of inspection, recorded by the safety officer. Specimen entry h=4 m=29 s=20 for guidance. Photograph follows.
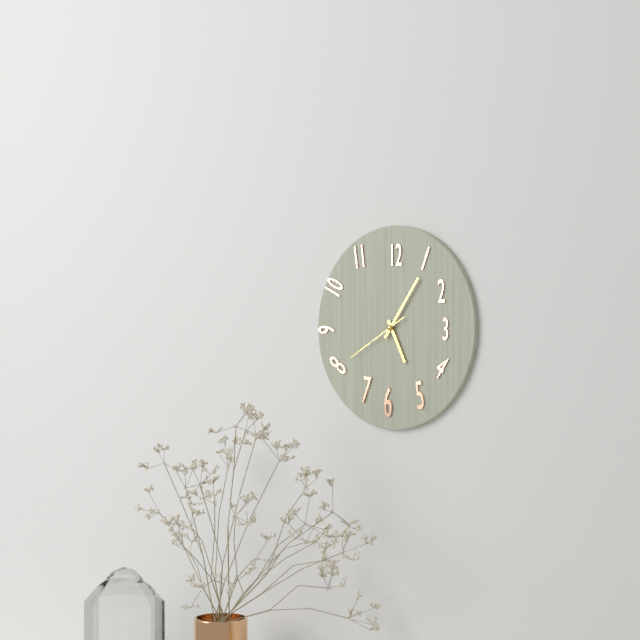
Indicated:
h=5 m=6 s=40
